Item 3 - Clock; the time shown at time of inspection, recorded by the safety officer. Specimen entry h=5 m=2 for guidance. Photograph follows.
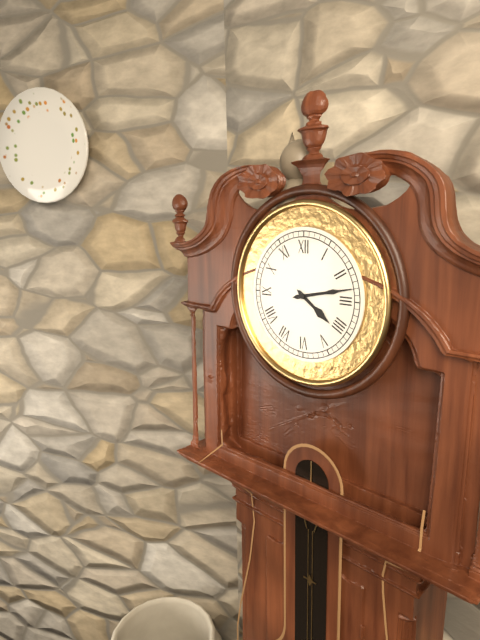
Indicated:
h=4 m=13
